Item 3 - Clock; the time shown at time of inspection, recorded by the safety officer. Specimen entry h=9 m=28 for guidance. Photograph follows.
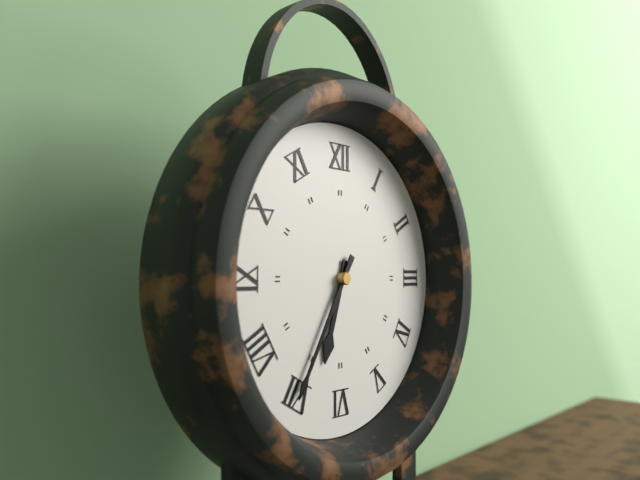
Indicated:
h=6 m=35
